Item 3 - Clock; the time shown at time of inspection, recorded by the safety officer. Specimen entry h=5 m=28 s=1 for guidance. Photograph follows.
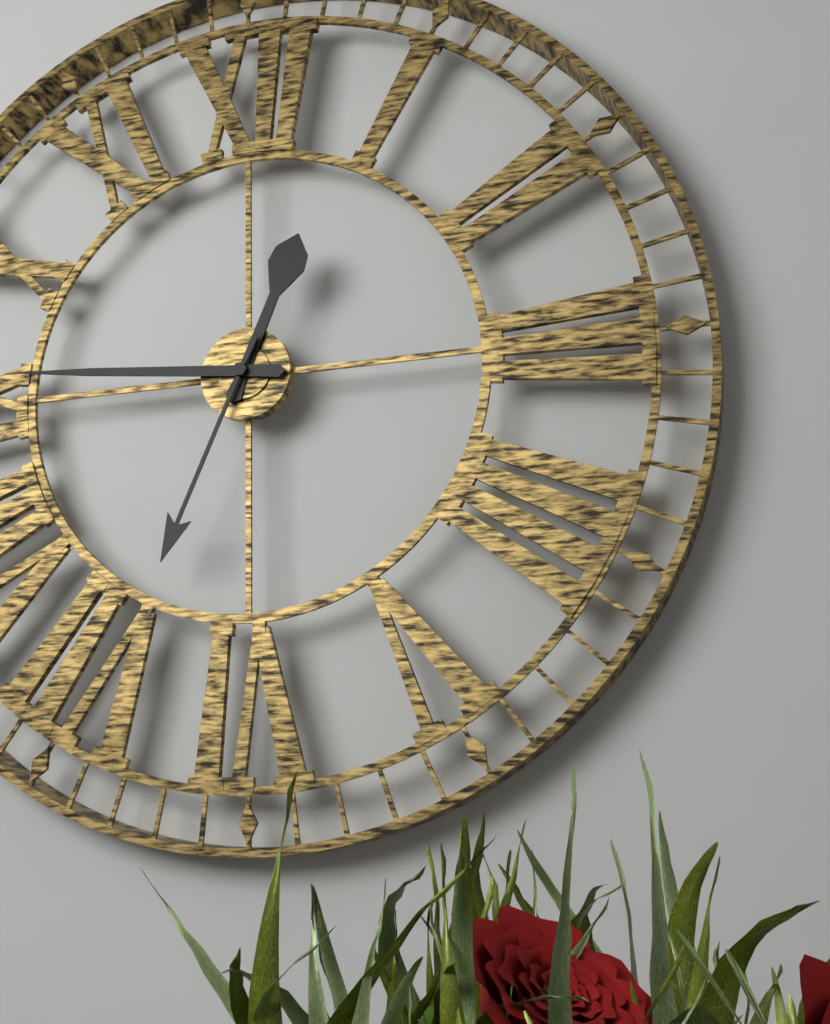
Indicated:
h=12 m=46 s=34
